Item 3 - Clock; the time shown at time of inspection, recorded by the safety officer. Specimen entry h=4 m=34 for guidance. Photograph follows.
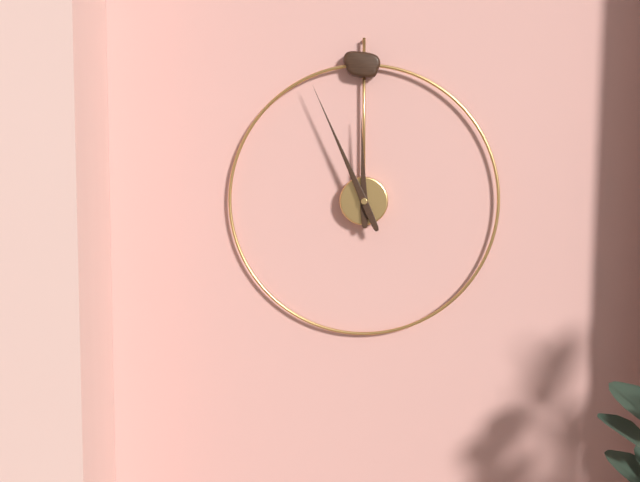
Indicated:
h=11 m=56
